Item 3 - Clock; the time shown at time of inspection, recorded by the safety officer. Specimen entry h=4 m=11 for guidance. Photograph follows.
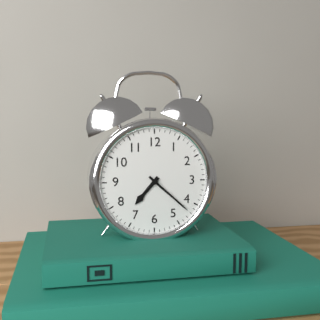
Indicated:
h=7 m=22
